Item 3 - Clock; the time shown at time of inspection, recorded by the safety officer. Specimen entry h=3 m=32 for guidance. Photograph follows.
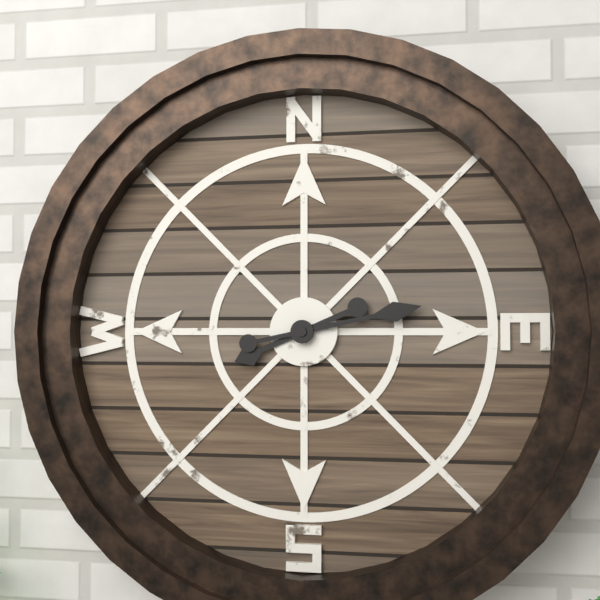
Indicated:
h=8 m=13
